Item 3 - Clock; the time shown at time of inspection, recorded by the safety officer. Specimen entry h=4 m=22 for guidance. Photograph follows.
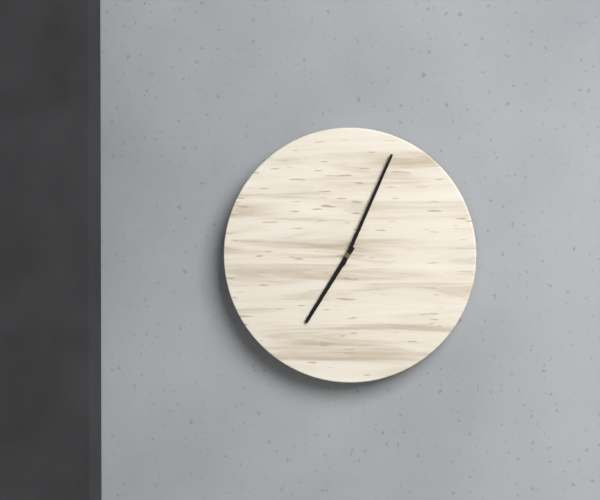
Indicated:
h=7 m=4
